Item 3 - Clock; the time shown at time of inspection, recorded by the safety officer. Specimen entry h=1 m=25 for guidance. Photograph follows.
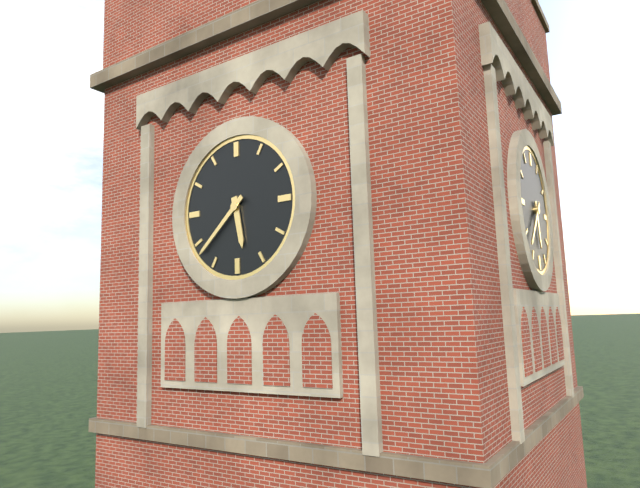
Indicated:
h=5 m=38
